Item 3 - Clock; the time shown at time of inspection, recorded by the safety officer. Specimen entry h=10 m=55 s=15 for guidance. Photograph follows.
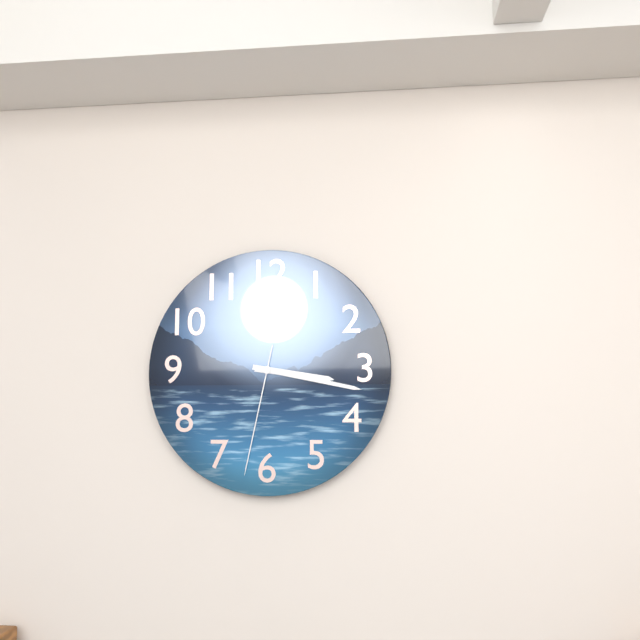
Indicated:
h=3 m=17 s=32
